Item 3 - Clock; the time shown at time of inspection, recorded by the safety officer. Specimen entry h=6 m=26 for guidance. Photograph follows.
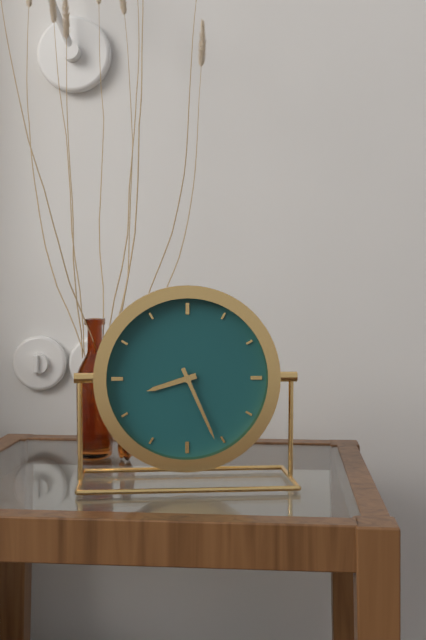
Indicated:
h=8 m=26
